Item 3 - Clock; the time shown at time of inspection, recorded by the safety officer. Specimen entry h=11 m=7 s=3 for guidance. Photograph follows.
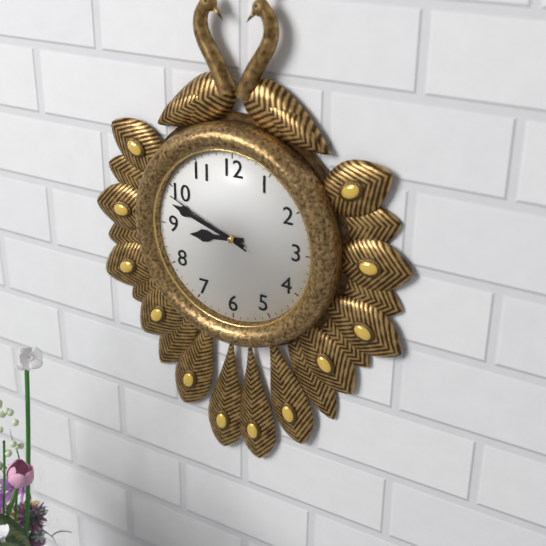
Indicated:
h=8 m=48 s=49
